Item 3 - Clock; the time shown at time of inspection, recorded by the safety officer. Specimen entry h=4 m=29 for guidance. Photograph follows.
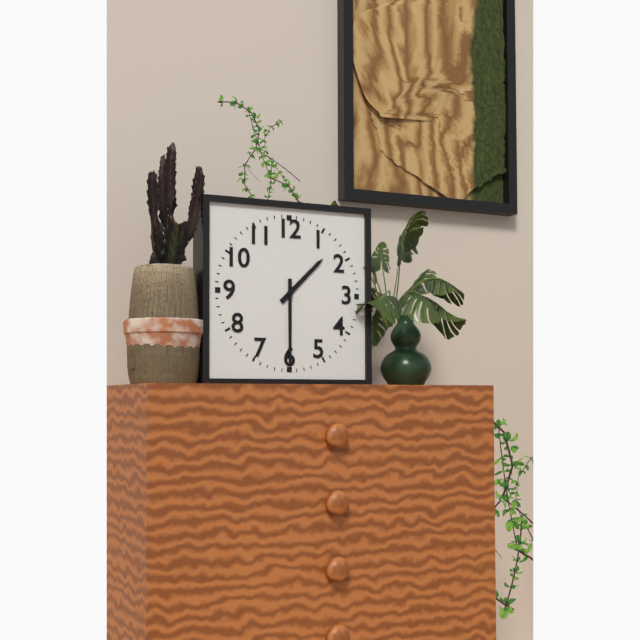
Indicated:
h=1 m=30
